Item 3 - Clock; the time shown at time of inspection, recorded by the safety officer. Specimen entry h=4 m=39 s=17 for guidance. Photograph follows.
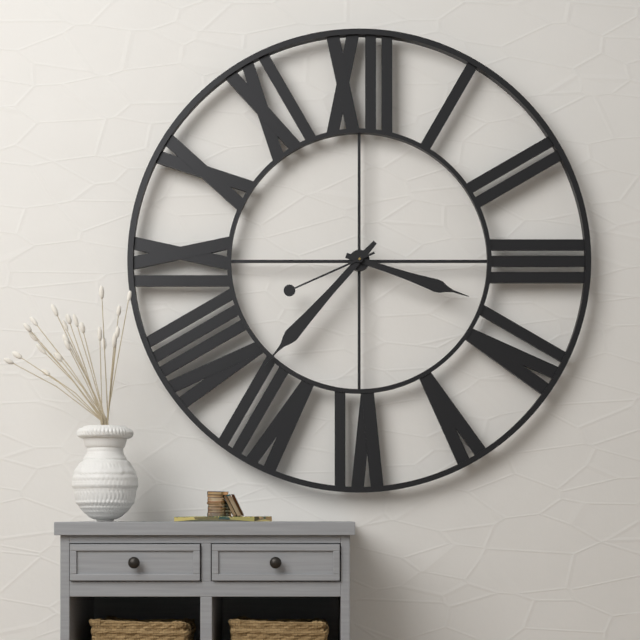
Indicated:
h=3 m=37 s=41
